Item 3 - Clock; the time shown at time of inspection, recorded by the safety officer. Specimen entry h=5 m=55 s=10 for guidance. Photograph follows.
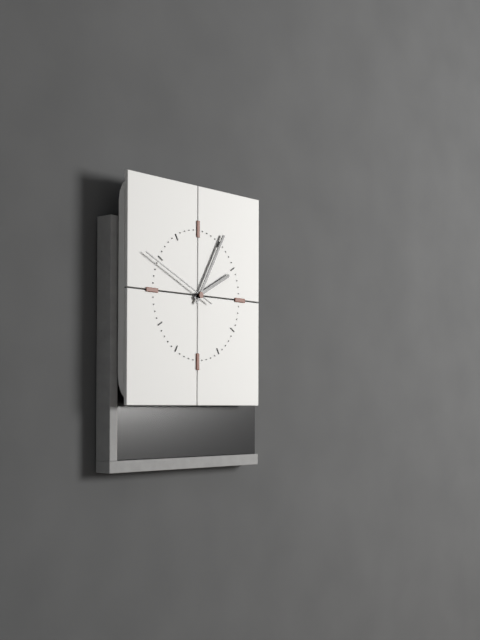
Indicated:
h=2 m=5 s=49
